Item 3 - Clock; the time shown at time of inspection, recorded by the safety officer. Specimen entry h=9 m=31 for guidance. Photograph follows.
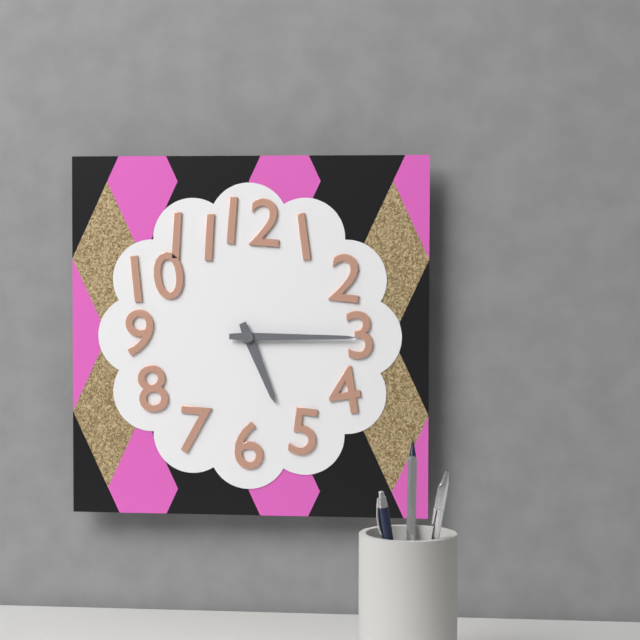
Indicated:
h=5 m=15
